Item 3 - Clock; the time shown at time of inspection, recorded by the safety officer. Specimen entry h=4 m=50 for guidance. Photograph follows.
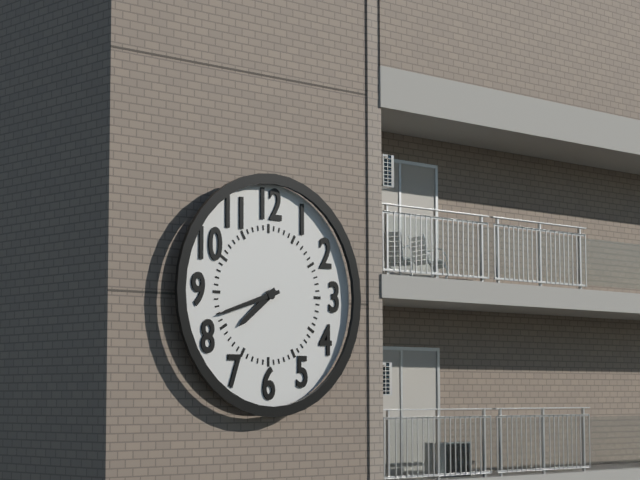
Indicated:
h=7 m=42
